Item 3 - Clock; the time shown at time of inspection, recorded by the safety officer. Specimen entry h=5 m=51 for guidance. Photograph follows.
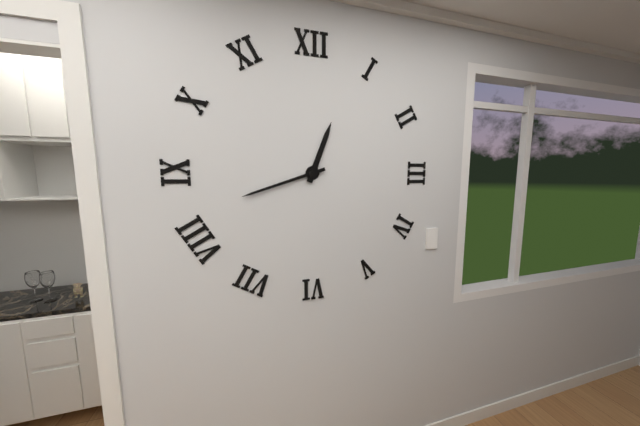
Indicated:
h=12 m=42
